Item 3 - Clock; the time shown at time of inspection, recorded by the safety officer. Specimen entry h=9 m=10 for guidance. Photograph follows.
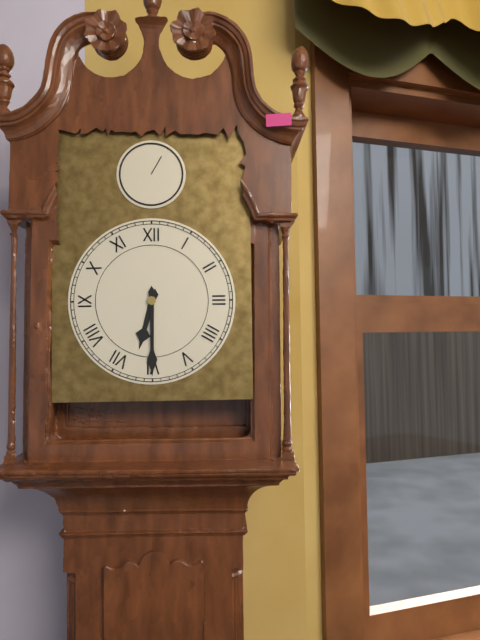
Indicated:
h=6 m=30
